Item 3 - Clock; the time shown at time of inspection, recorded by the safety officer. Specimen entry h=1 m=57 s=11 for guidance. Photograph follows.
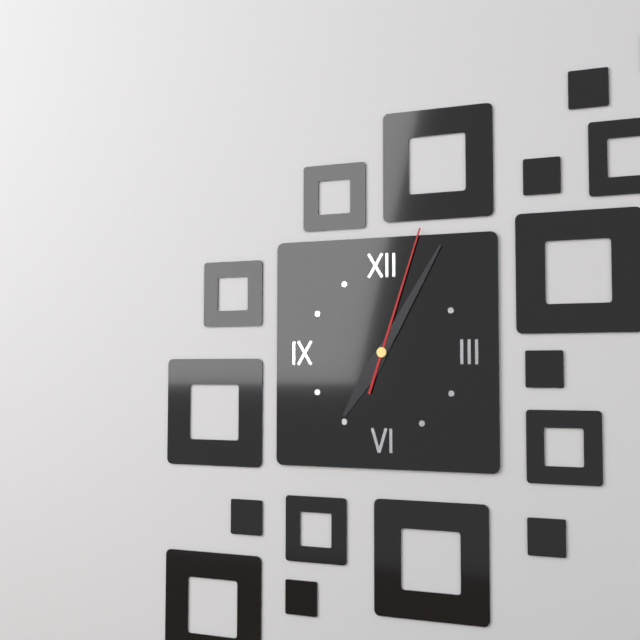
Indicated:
h=7 m=5 s=3
